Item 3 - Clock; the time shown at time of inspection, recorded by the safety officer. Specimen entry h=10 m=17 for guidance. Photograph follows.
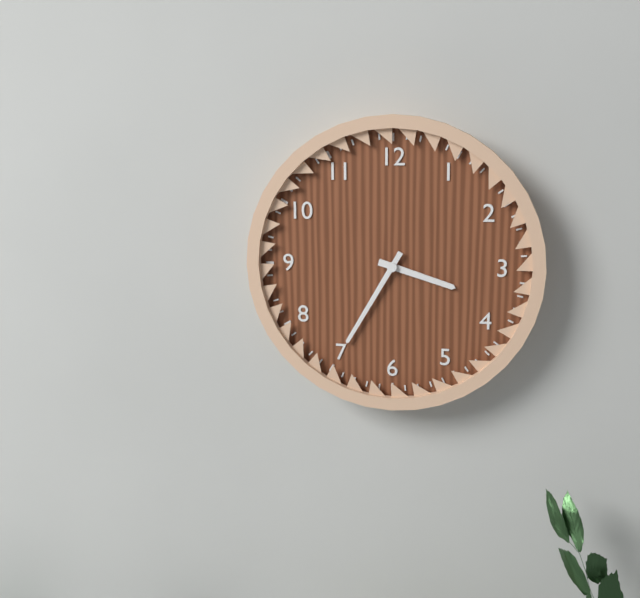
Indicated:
h=3 m=35
